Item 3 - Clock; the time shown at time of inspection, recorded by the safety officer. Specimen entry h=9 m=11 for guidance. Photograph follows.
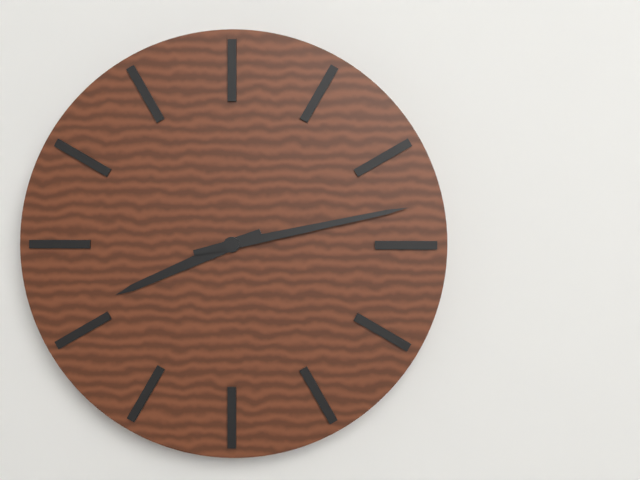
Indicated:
h=8 m=13
